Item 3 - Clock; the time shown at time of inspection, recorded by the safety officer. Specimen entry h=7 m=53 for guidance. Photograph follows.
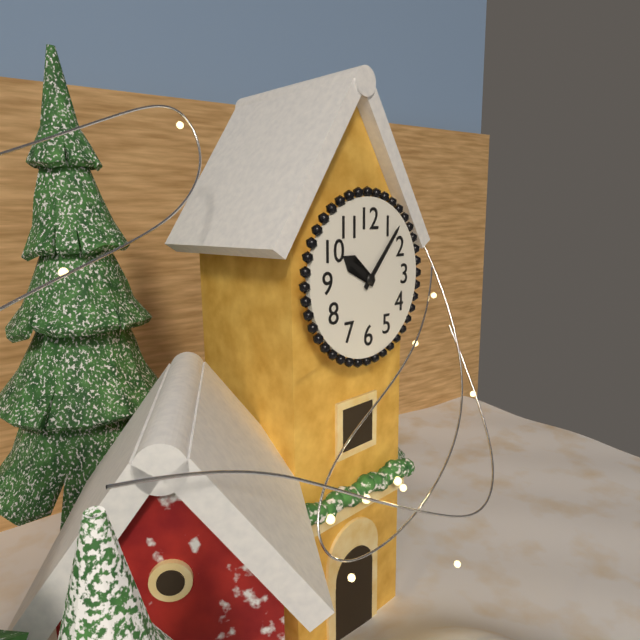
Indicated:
h=10 m=7
